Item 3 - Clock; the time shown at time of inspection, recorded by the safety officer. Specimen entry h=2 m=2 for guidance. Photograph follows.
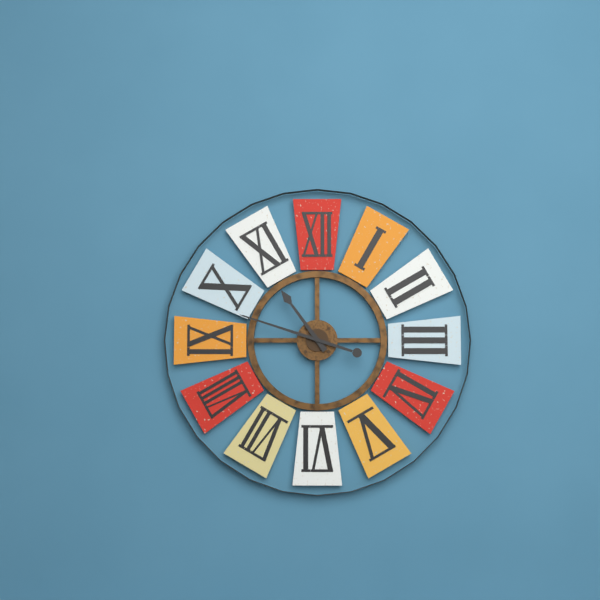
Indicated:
h=10 m=48
